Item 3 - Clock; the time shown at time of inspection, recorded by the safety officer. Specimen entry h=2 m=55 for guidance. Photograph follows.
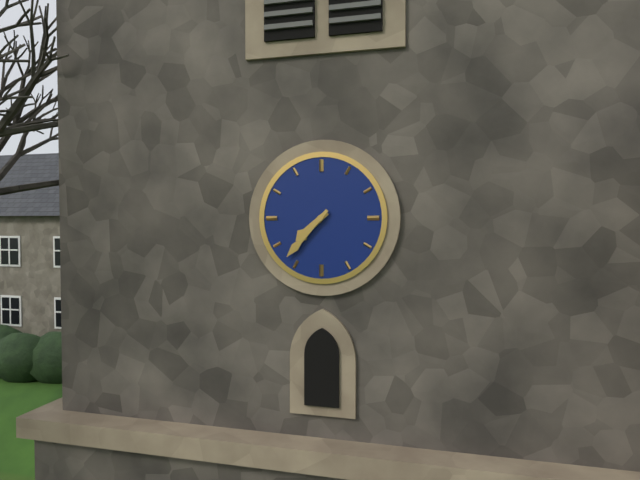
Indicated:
h=7 m=37
